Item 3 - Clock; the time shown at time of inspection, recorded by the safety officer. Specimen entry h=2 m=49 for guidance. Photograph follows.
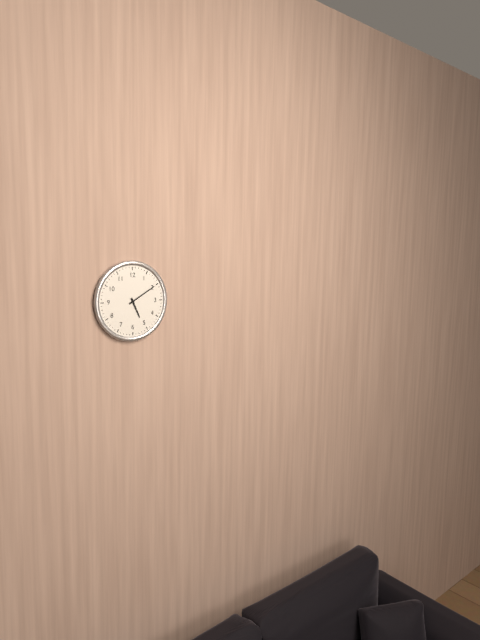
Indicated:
h=5 m=10
